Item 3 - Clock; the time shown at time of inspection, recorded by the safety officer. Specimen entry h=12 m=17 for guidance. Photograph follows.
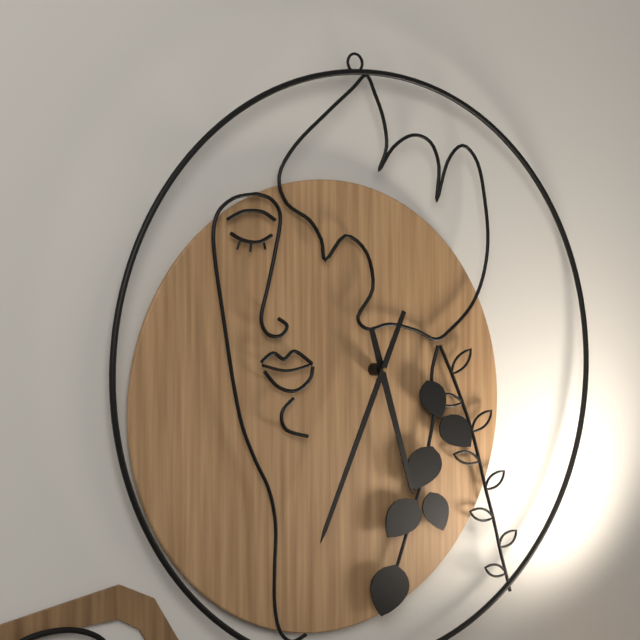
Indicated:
h=5 m=35
